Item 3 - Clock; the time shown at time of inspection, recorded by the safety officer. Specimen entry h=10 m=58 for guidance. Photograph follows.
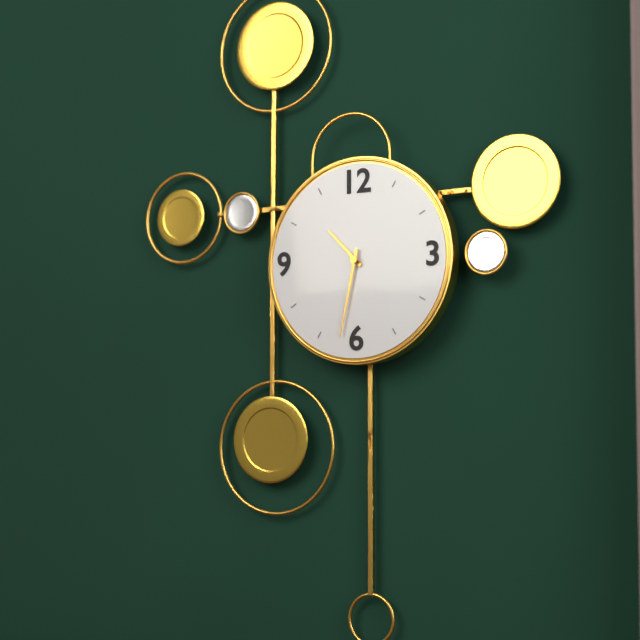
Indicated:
h=10 m=32
